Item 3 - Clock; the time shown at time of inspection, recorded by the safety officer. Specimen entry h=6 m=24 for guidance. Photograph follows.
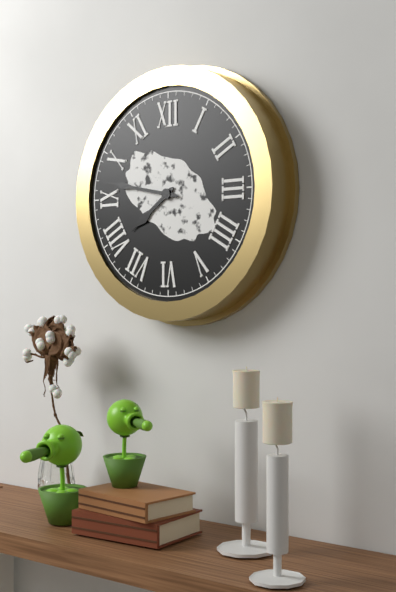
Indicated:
h=7 m=47
